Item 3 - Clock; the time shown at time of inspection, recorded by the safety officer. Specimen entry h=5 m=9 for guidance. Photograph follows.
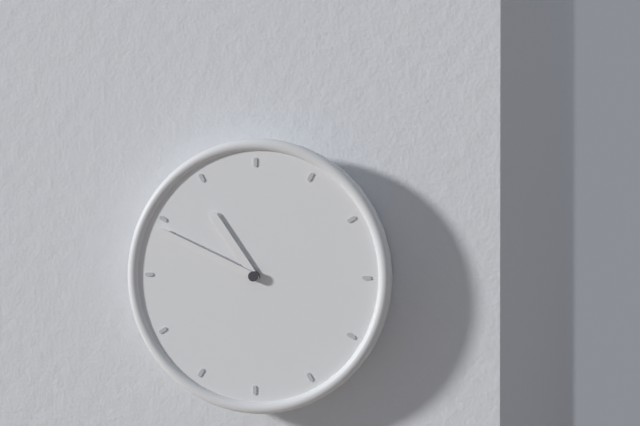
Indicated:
h=10 m=49
